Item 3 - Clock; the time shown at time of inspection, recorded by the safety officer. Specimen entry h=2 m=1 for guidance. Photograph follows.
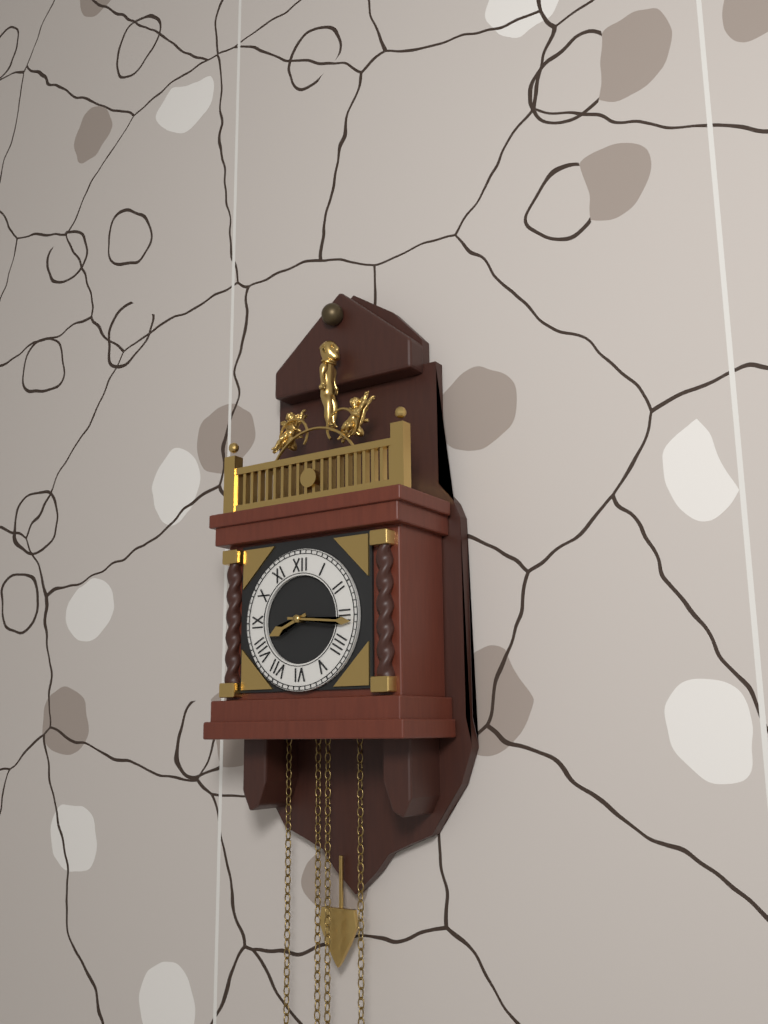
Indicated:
h=8 m=16
